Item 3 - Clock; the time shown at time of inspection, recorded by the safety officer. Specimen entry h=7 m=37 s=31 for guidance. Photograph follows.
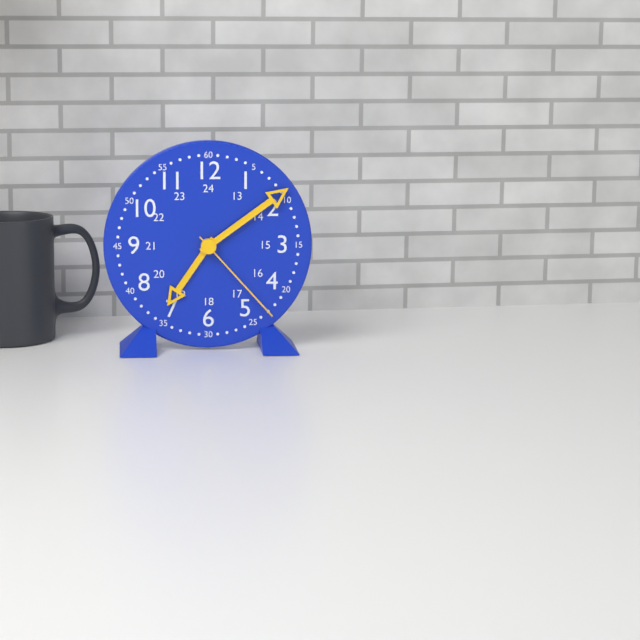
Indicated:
h=7 m=9 s=23
